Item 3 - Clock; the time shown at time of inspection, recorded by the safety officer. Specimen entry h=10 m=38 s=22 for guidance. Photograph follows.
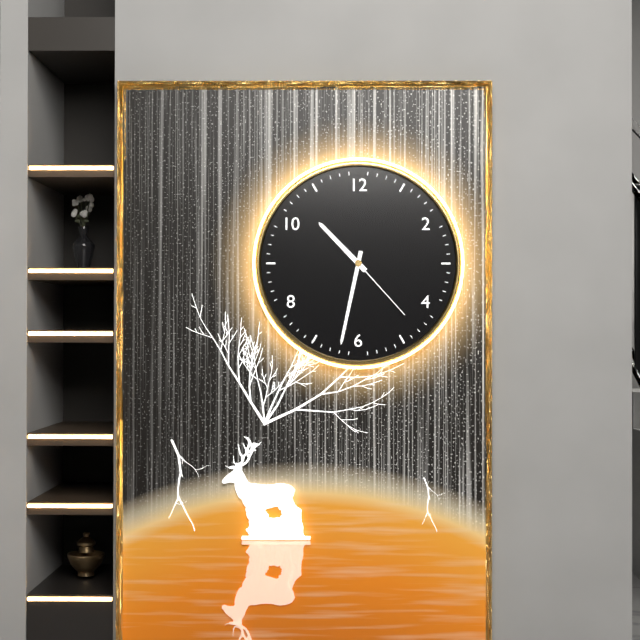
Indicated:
h=10 m=32 s=23
